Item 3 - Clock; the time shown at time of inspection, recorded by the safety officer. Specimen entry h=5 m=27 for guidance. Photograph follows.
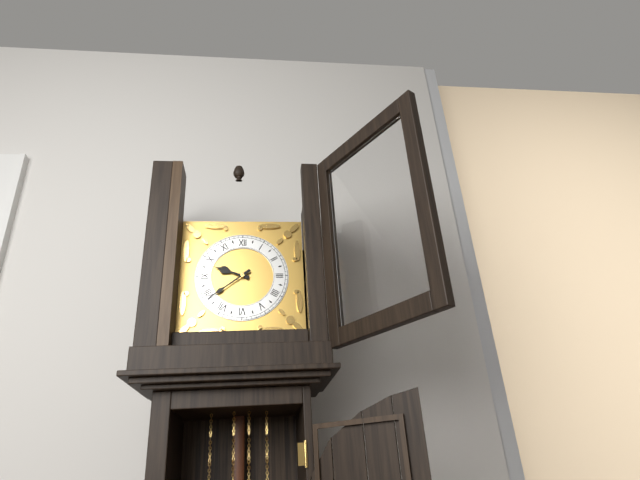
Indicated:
h=9 m=39
